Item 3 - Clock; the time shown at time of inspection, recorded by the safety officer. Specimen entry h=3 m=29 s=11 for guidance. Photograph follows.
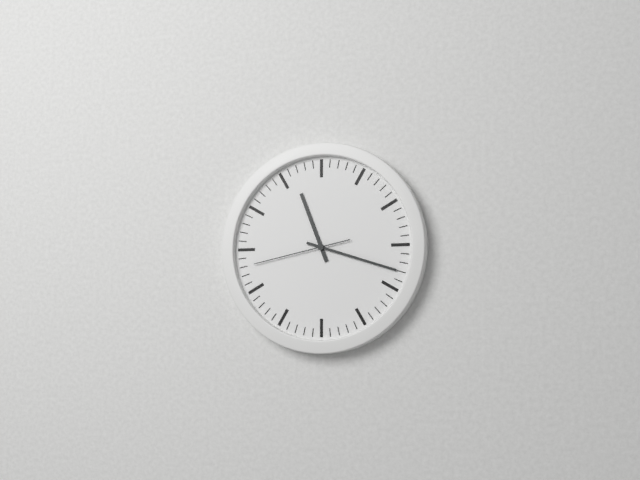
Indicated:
h=11 m=18 s=43
